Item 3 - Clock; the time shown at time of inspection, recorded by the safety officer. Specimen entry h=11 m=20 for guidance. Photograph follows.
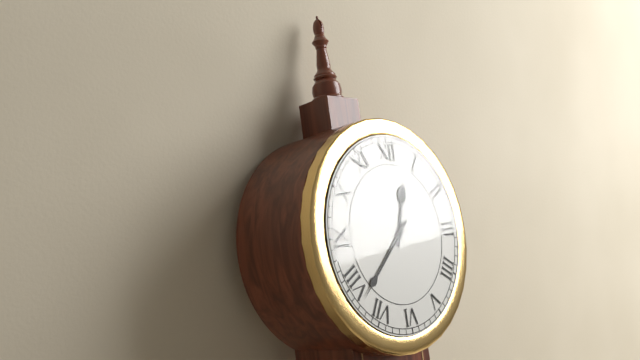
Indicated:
h=12 m=38
